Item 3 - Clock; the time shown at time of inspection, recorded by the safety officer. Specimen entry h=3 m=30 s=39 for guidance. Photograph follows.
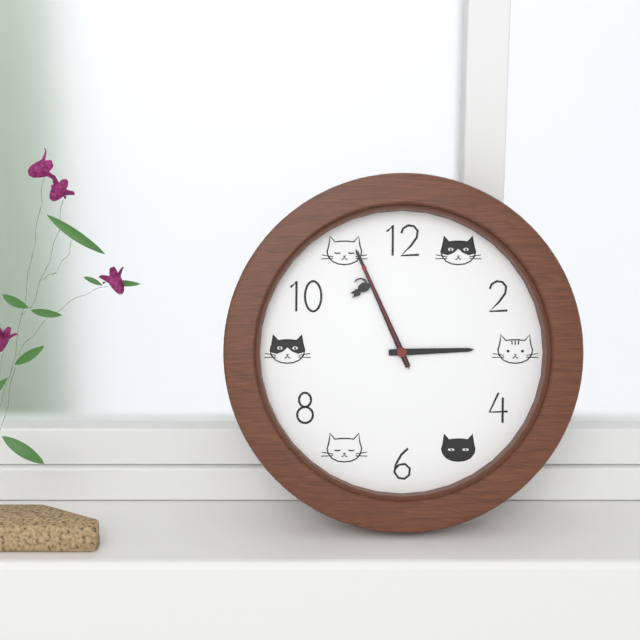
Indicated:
h=2 m=56 s=56
